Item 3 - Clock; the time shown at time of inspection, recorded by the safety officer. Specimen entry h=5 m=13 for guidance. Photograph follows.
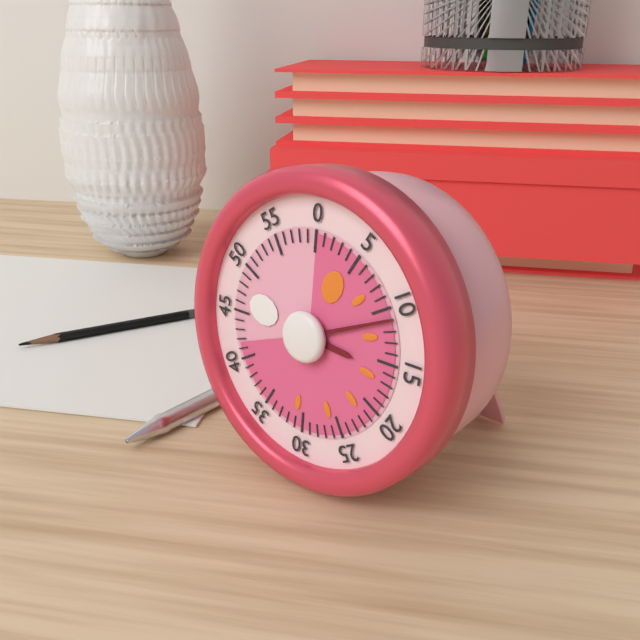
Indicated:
h=3 m=11
